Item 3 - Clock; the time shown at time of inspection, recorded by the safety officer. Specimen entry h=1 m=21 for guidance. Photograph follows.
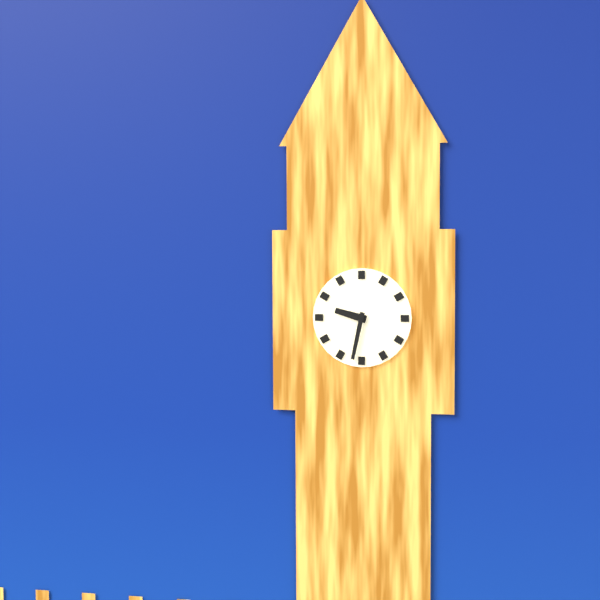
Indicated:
h=9 m=32
